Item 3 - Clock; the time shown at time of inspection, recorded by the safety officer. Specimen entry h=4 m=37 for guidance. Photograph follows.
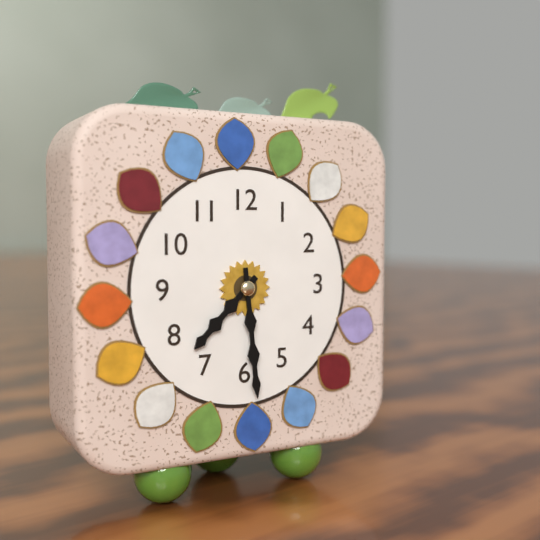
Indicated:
h=7 m=29
